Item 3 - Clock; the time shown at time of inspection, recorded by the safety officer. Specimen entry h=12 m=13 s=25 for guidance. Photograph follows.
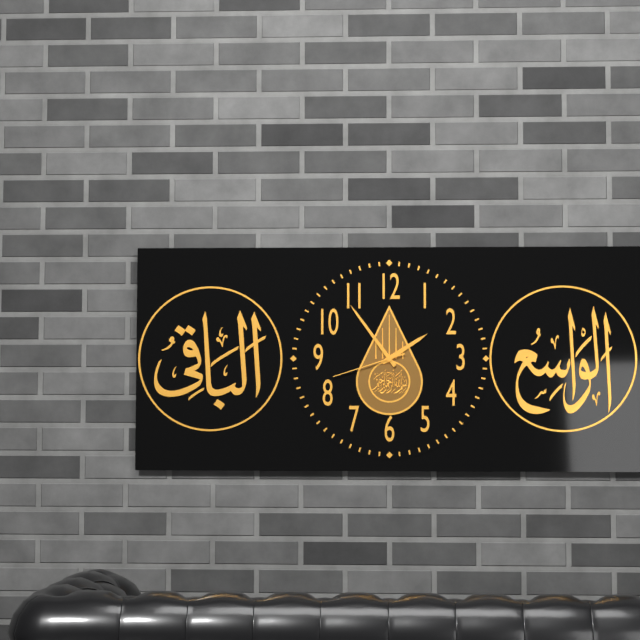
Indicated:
h=1 m=54 s=42
